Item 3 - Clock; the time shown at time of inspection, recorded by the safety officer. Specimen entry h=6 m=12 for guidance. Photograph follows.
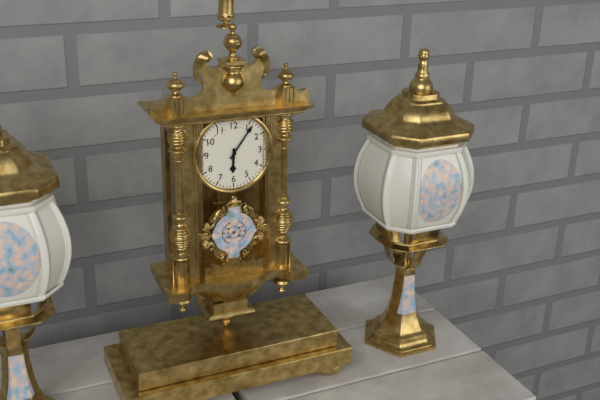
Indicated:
h=6 m=6
